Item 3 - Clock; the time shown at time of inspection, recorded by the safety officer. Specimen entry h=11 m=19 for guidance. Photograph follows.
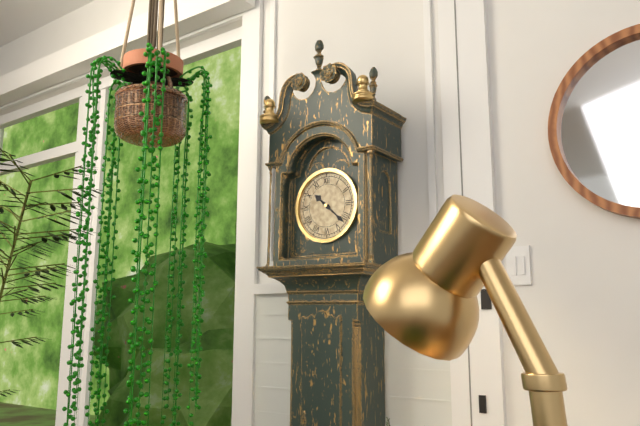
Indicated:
h=10 m=22
